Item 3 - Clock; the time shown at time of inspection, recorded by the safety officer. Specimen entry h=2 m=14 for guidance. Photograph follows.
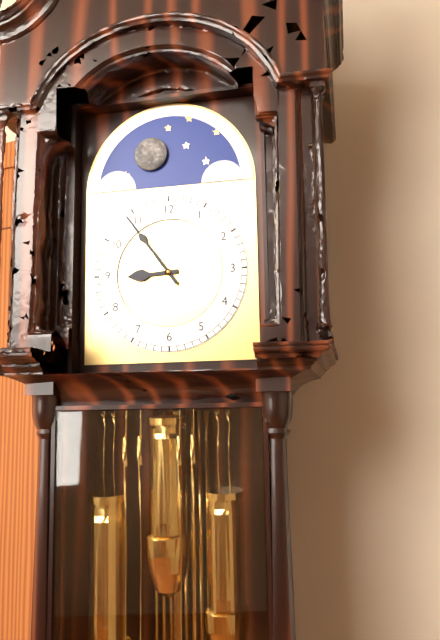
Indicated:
h=8 m=54
